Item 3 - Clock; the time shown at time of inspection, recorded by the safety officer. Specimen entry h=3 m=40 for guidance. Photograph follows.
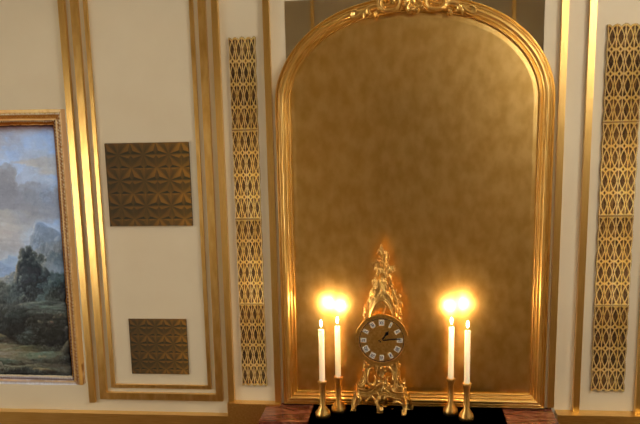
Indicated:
h=1 m=14
